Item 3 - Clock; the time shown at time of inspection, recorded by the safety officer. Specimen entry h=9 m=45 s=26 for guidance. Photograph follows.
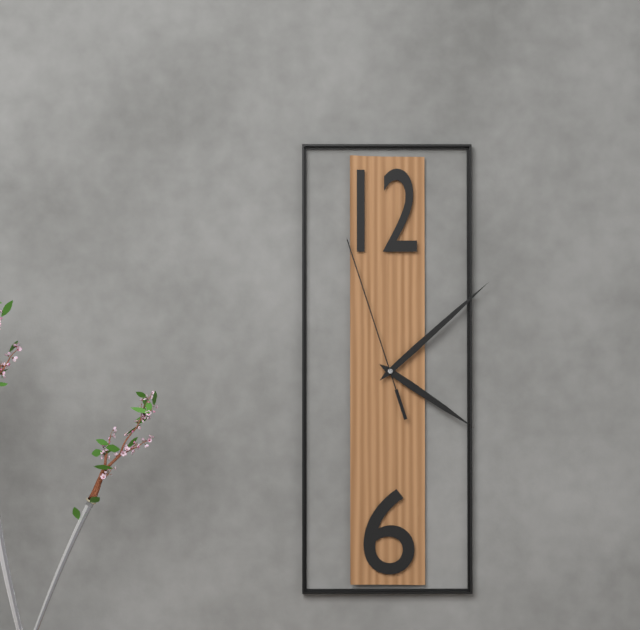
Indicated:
h=4 m=8 s=57
